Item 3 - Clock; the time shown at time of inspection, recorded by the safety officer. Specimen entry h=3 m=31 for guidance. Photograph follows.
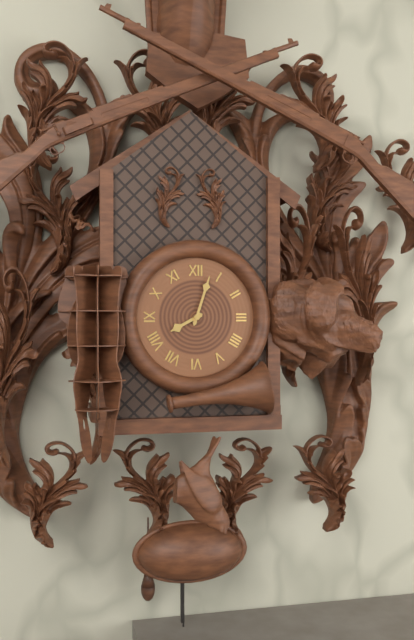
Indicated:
h=8 m=3
